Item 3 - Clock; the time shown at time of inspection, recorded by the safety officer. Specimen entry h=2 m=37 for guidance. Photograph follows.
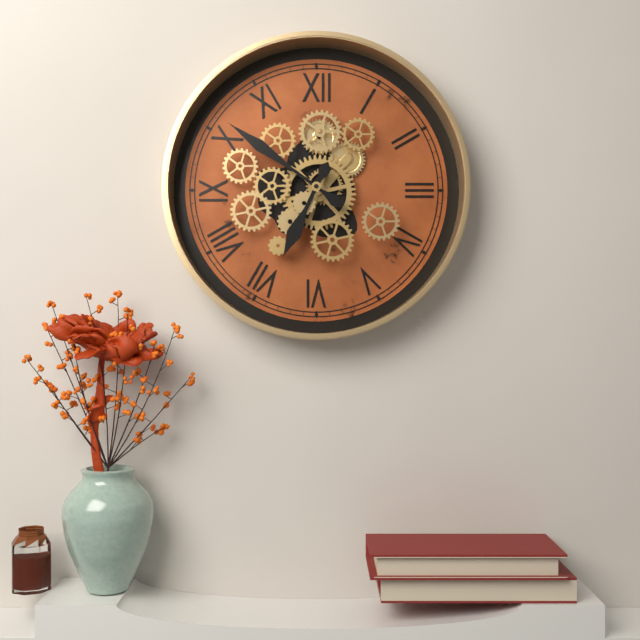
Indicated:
h=6 m=51
